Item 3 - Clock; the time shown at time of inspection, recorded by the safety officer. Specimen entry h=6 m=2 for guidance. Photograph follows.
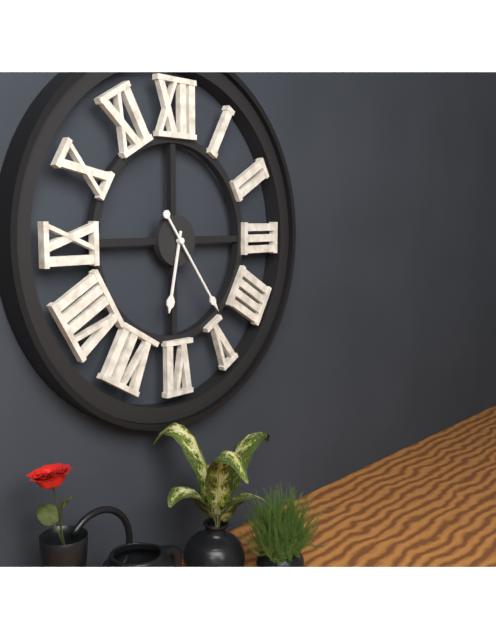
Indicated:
h=6 m=24
